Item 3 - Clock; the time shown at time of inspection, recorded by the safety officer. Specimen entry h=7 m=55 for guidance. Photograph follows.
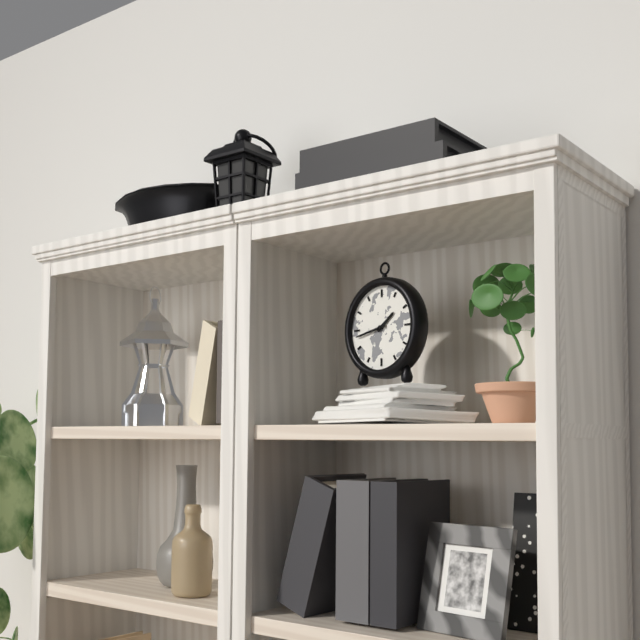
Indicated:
h=1 m=43
